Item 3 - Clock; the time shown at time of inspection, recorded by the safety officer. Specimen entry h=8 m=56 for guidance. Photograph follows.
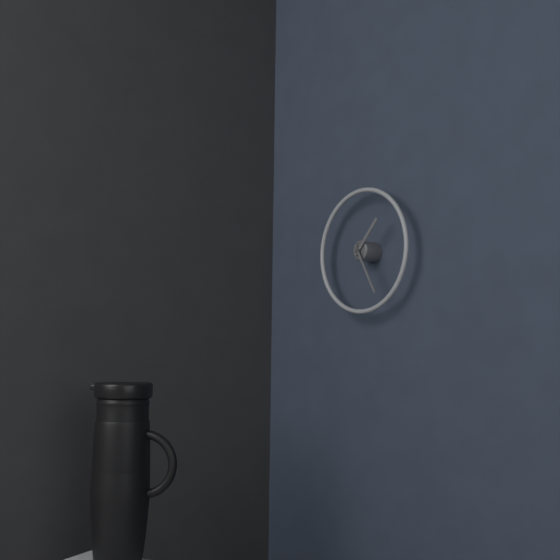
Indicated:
h=1 m=25
